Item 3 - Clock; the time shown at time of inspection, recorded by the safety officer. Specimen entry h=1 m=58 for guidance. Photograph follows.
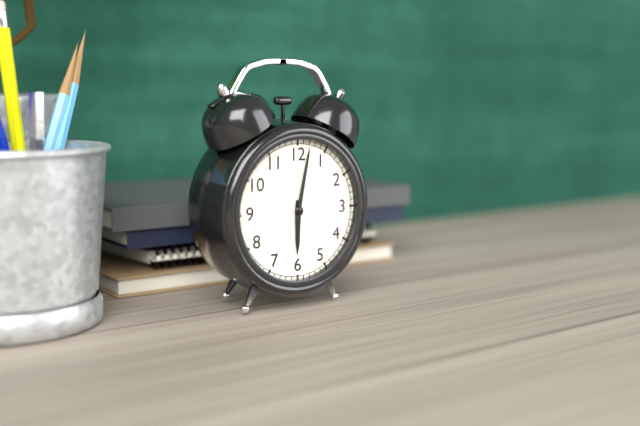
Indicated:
h=6 m=2
